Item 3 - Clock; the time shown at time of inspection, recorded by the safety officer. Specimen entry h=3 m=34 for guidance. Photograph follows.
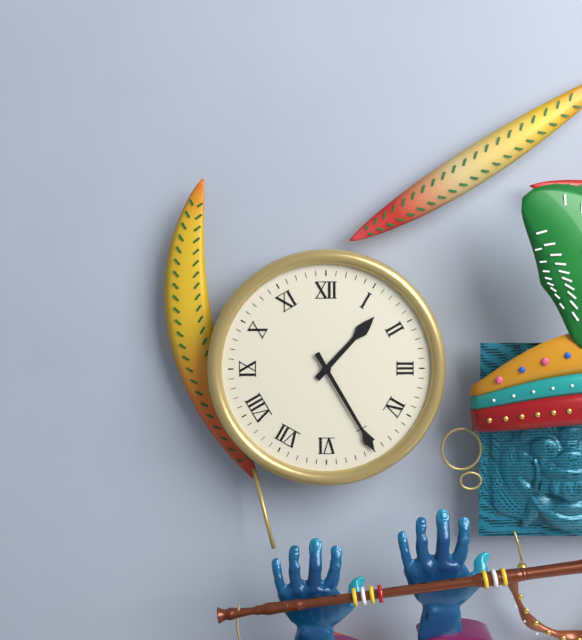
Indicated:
h=1 m=25
